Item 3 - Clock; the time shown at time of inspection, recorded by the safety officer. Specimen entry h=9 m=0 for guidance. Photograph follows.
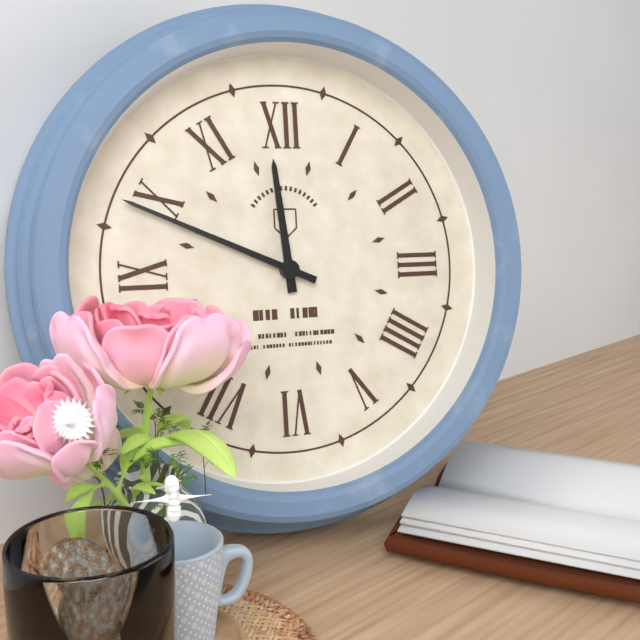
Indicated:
h=11 m=49
